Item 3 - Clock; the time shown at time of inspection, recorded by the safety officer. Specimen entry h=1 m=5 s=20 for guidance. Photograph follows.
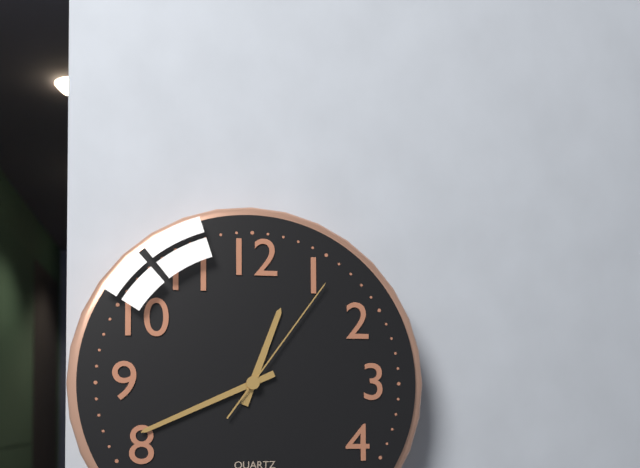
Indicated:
h=12 m=41 s=6
